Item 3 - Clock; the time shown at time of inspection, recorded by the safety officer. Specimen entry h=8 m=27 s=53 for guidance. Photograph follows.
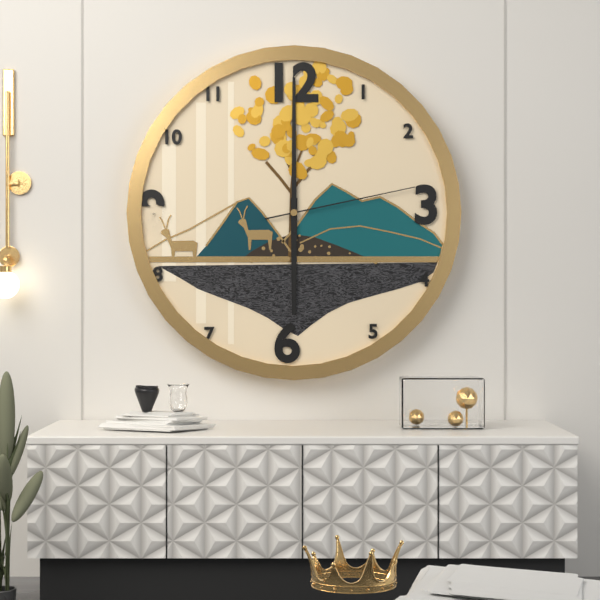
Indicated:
h=6 m=0 s=13
